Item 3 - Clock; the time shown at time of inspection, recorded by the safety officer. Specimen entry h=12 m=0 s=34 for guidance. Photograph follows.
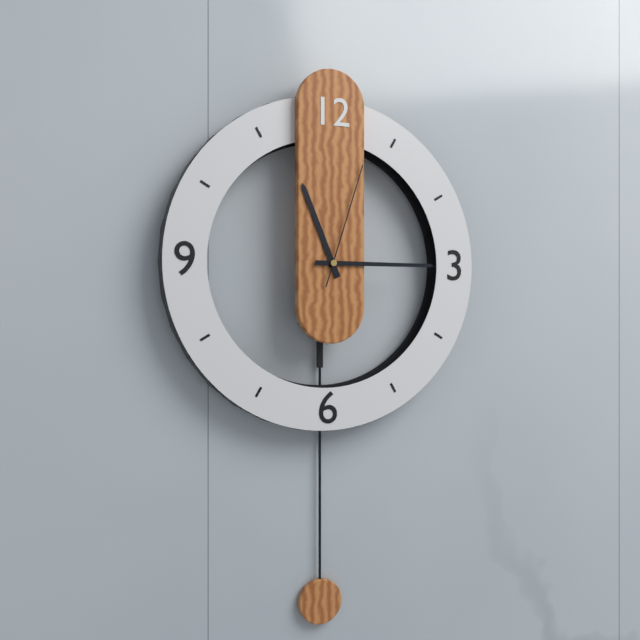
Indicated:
h=11 m=15 s=3
